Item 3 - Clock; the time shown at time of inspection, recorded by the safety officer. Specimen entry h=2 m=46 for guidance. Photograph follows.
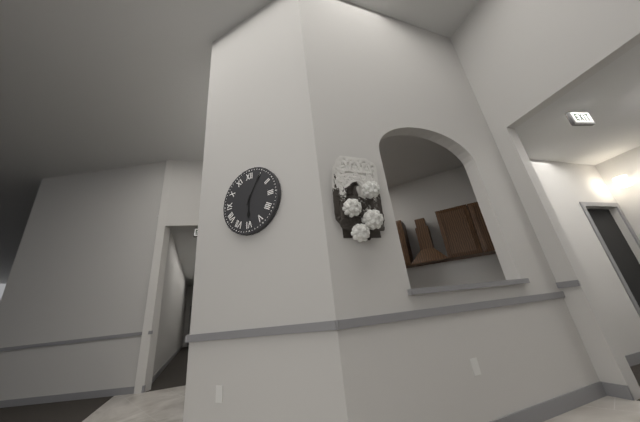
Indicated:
h=6 m=5
